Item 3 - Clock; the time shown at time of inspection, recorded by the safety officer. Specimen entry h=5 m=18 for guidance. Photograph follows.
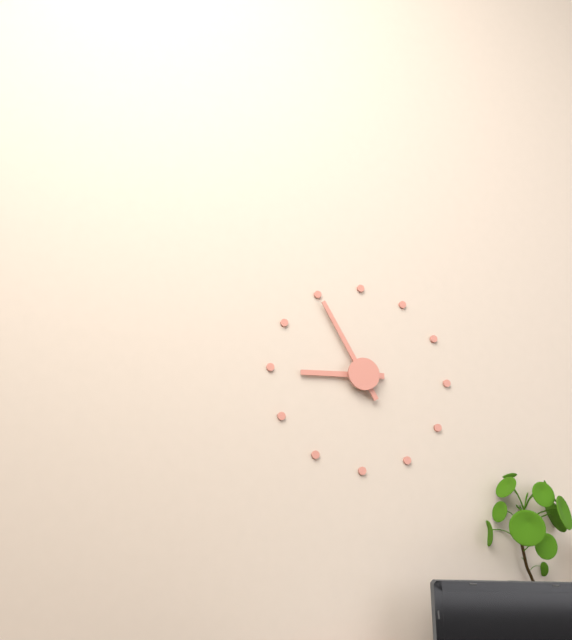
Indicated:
h=8 m=55
